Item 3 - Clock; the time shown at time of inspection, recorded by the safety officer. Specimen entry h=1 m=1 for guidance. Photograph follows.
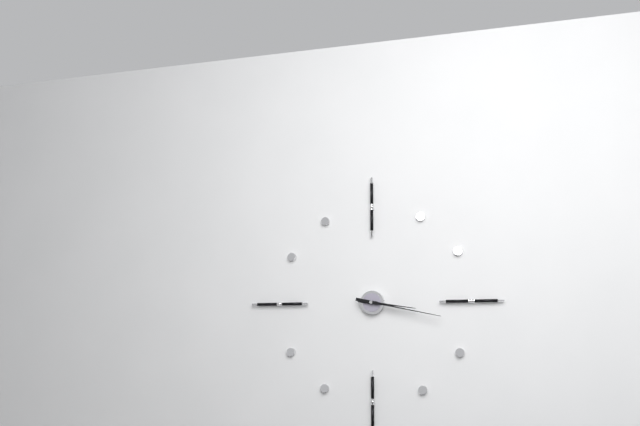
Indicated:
h=3 m=17
